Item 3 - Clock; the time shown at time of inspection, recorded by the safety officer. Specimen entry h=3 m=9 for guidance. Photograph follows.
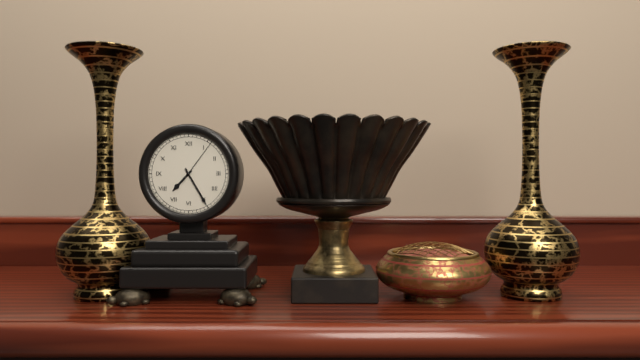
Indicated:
h=7 m=25
